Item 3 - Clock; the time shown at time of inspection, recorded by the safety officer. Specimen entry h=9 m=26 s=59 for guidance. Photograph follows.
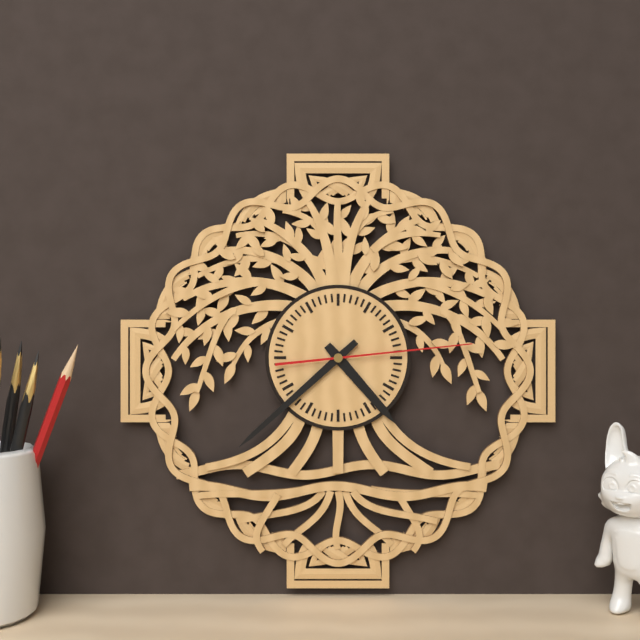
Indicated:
h=4 m=38 s=14
